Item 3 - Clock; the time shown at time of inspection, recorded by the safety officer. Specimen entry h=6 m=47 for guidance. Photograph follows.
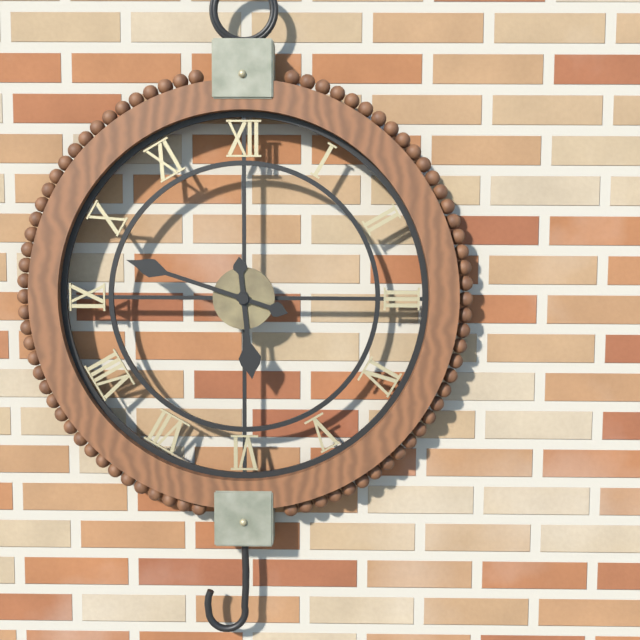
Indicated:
h=5 m=48
